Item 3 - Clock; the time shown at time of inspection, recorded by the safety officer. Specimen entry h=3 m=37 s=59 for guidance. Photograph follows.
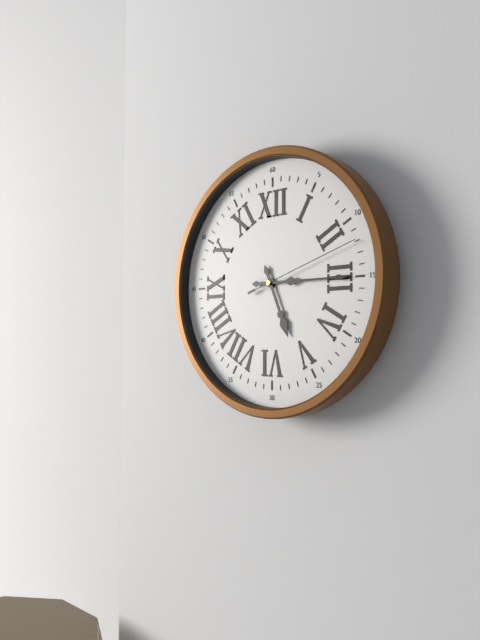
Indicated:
h=5 m=15 s=12
